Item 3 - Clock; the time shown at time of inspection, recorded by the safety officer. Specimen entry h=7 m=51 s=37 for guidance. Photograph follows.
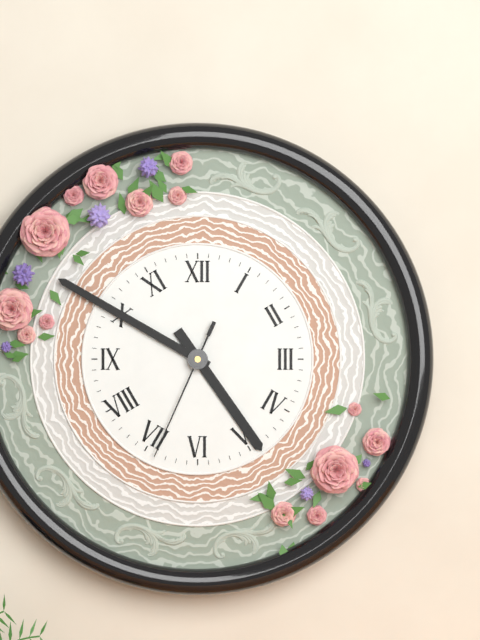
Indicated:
h=4 m=50 s=34
